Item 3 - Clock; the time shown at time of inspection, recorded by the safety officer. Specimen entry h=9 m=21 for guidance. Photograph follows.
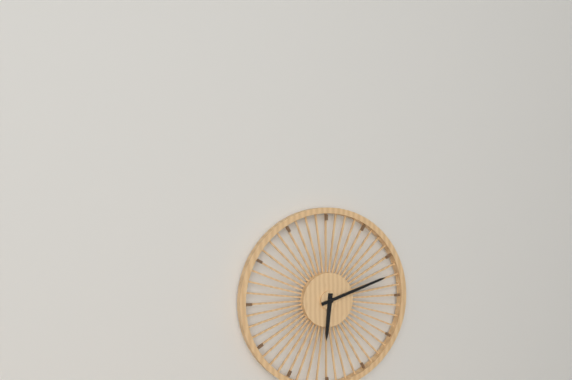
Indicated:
h=6 m=12
